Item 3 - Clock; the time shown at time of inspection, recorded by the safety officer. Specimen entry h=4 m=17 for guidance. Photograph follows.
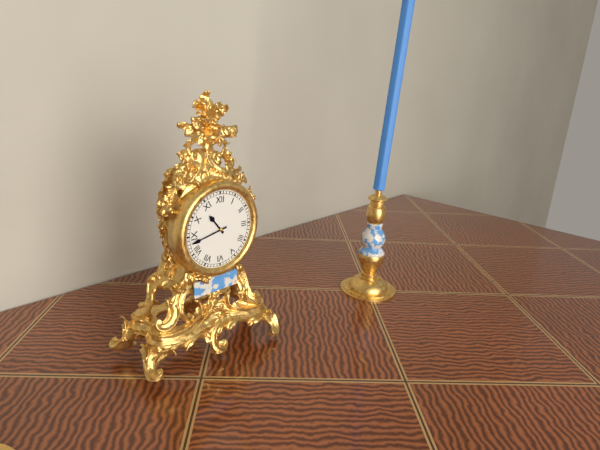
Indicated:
h=10 m=43
